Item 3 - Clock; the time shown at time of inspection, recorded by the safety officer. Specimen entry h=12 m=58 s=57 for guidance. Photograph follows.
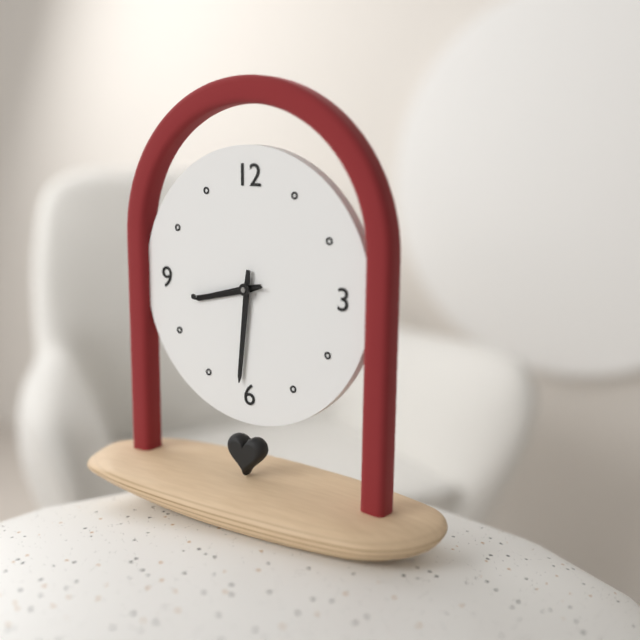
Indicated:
h=8 m=31 s=43
